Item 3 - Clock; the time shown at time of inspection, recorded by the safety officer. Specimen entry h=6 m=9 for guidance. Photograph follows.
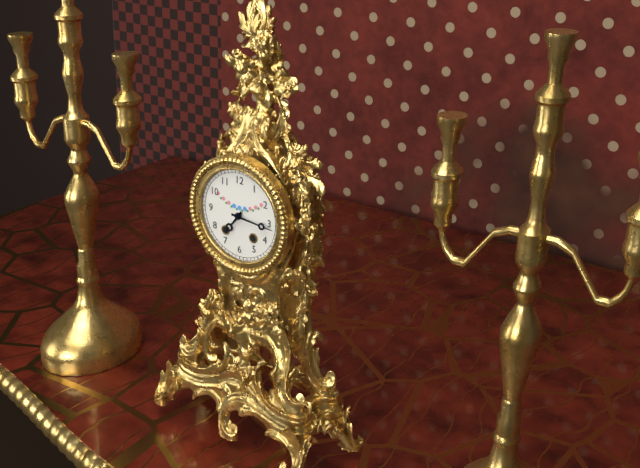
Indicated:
h=7 m=16
